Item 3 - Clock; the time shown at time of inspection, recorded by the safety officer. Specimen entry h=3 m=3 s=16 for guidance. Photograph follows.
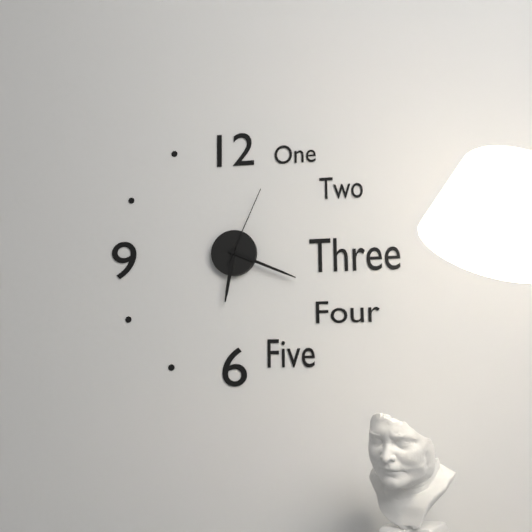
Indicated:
h=6 m=19 s=4
